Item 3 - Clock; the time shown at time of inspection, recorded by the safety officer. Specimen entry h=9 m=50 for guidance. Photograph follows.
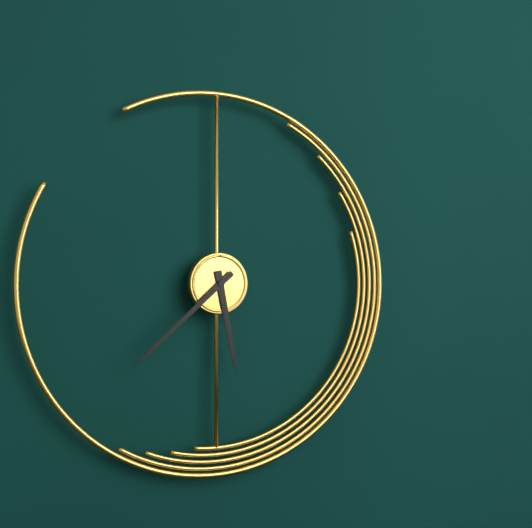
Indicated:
h=5 m=38
